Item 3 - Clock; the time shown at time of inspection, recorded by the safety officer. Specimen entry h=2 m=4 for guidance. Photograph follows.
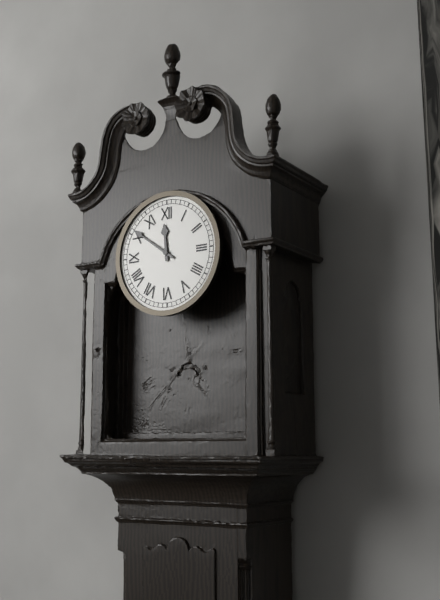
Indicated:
h=11 m=51
